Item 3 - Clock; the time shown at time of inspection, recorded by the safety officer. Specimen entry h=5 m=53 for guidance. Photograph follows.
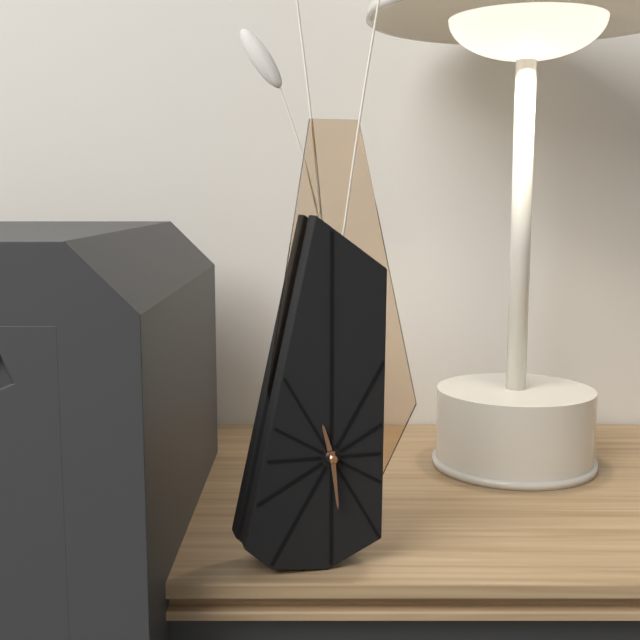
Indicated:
h=11 m=29
